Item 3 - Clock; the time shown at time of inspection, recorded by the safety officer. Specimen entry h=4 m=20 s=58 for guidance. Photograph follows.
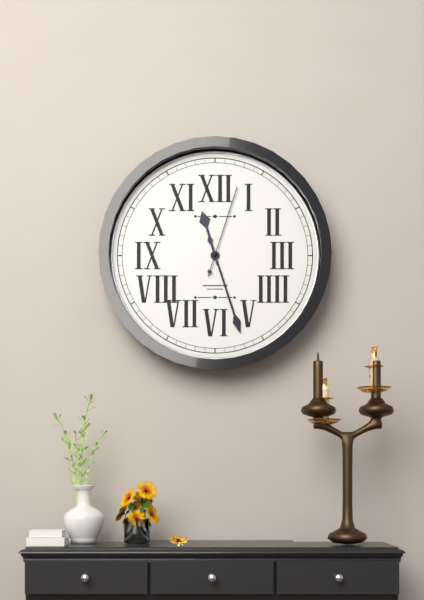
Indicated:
h=11 m=27 s=3
